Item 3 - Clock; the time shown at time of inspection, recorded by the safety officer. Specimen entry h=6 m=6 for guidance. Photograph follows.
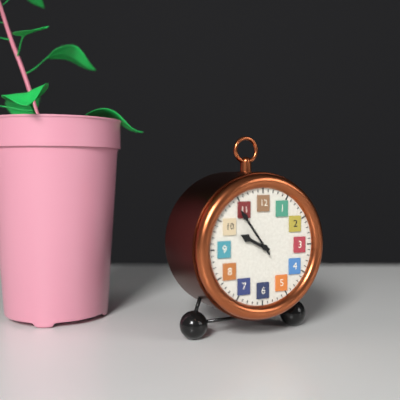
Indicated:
h=9 m=54
